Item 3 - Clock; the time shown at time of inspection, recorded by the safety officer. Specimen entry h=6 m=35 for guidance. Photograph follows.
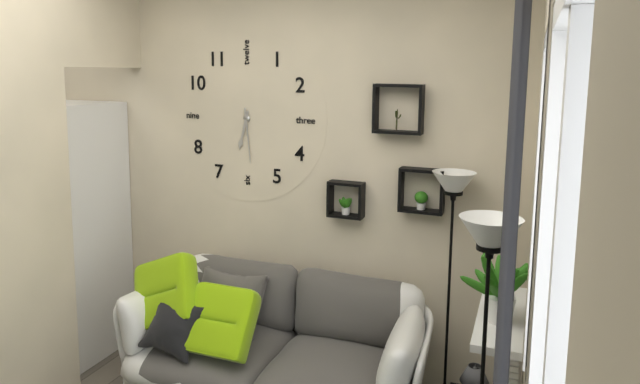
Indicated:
h=6 m=29
